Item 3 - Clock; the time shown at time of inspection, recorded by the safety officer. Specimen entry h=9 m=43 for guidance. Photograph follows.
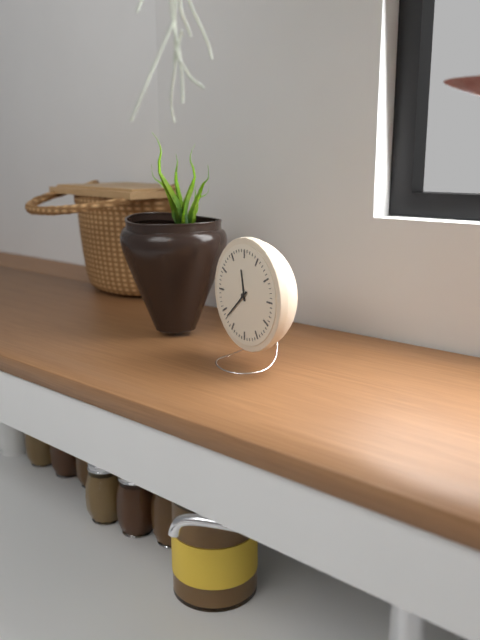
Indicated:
h=11 m=38
